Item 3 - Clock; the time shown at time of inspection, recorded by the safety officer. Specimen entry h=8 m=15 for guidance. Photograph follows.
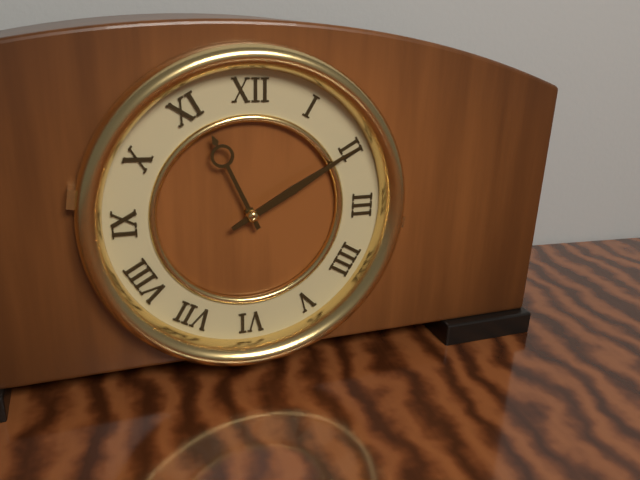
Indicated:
h=11 m=10
